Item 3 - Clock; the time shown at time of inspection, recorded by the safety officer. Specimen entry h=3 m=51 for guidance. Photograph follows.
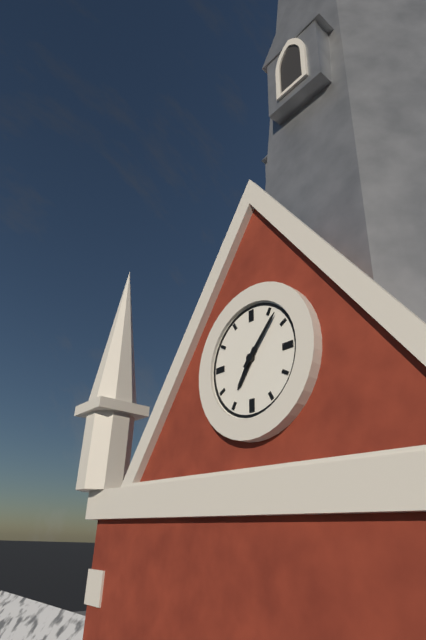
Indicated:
h=7 m=7
